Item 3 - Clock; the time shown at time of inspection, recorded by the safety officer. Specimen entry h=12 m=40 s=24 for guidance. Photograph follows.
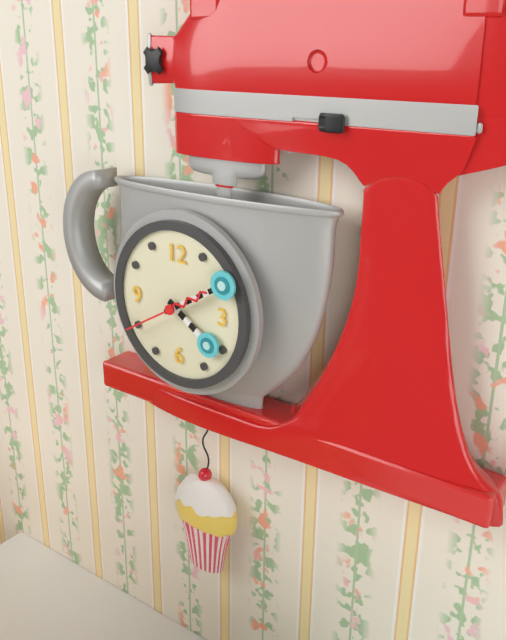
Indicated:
h=4 m=10 s=40
